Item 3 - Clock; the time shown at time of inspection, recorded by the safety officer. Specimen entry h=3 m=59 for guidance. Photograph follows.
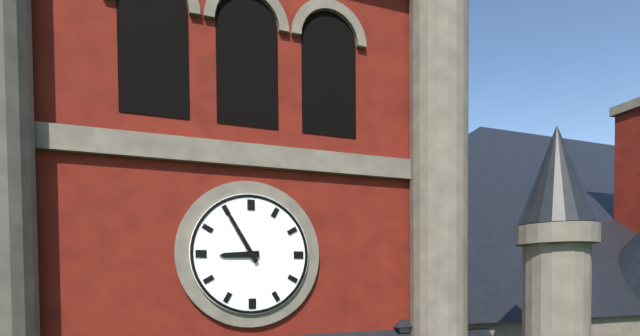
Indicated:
h=8 m=55
